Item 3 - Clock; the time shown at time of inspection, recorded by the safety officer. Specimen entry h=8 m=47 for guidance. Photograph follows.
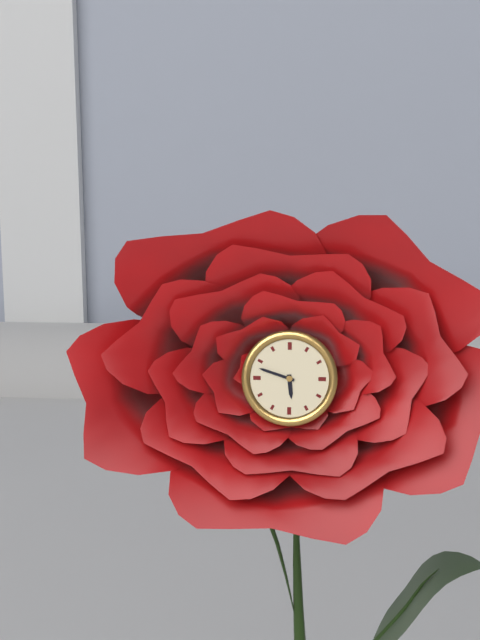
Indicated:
h=5 m=48
